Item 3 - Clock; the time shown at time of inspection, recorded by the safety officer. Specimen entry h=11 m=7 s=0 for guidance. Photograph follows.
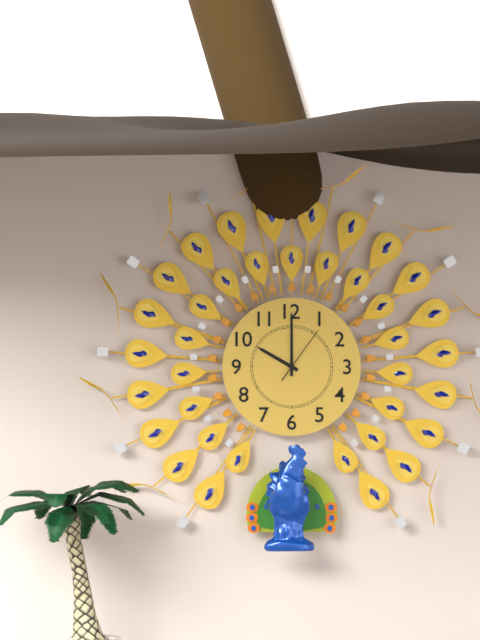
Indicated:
h=10 m=0 s=6
